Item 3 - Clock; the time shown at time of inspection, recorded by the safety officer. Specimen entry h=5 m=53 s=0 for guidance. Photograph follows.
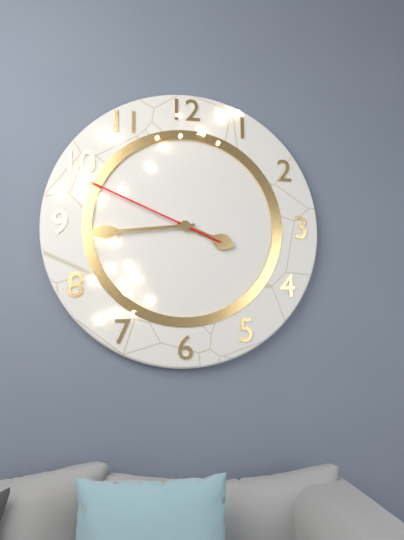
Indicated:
h=3 m=44 s=49
